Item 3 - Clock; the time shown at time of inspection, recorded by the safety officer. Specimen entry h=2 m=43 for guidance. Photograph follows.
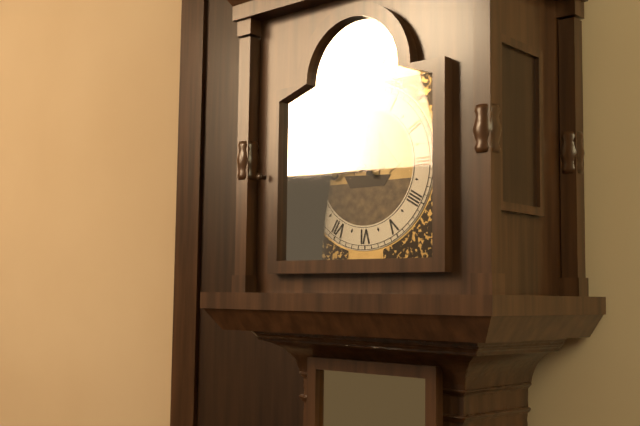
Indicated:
h=8 m=51
